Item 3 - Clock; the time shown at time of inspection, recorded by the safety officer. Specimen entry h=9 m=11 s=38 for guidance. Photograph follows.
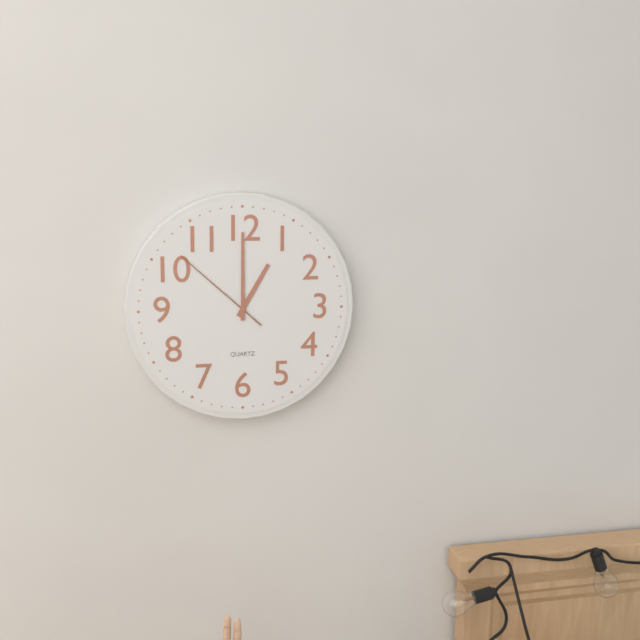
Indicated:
h=1 m=0 s=52
